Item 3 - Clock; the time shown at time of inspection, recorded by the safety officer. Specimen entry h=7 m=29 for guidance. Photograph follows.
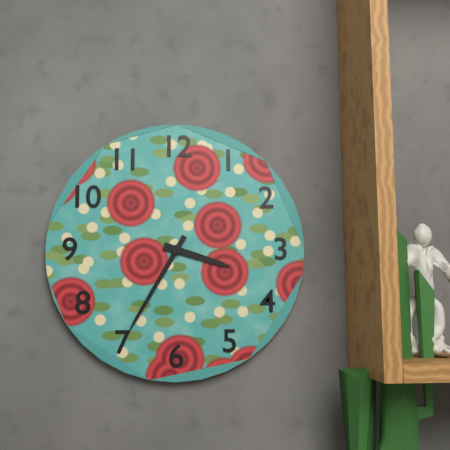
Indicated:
h=3 m=35
